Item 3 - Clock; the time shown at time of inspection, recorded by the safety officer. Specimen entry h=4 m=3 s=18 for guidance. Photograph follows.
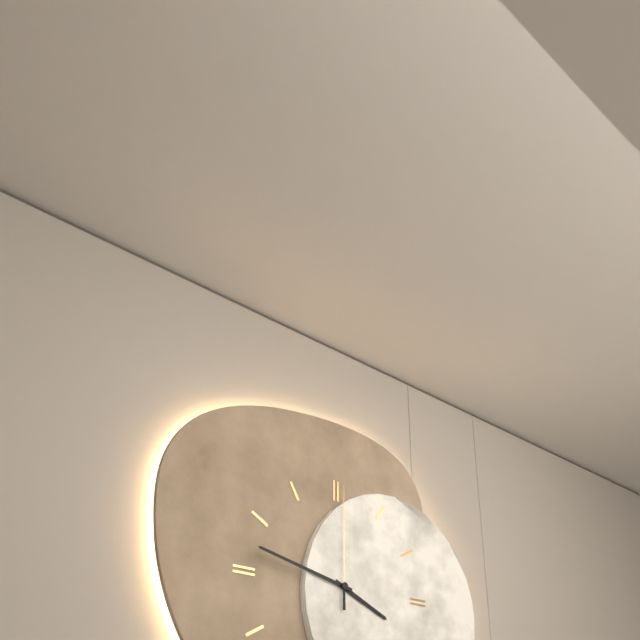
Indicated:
h=3 m=47 s=0
